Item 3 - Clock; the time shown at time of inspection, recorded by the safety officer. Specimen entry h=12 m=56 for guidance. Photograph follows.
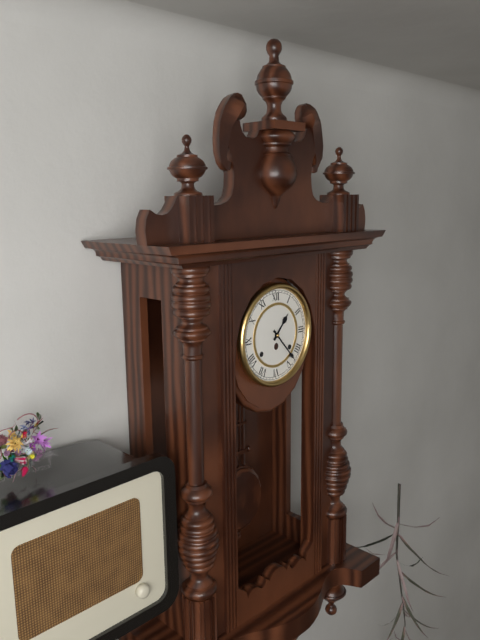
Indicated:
h=1 m=23
